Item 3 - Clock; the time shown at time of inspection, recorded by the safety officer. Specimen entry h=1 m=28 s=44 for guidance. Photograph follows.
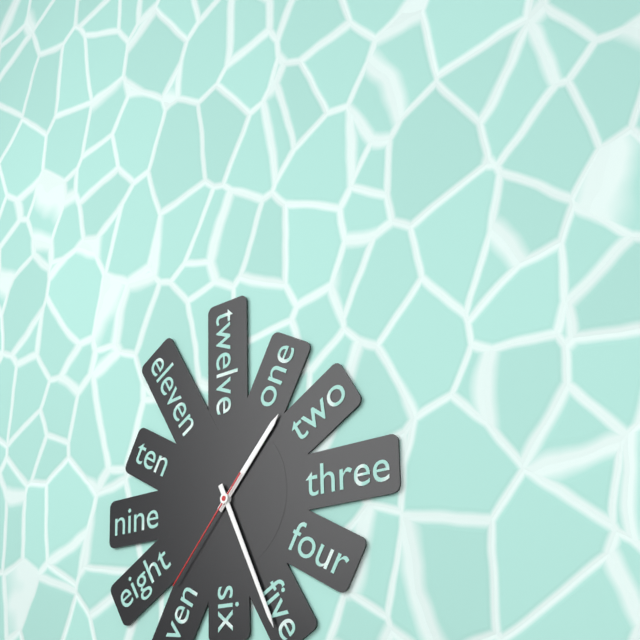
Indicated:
h=1 m=26 s=37
